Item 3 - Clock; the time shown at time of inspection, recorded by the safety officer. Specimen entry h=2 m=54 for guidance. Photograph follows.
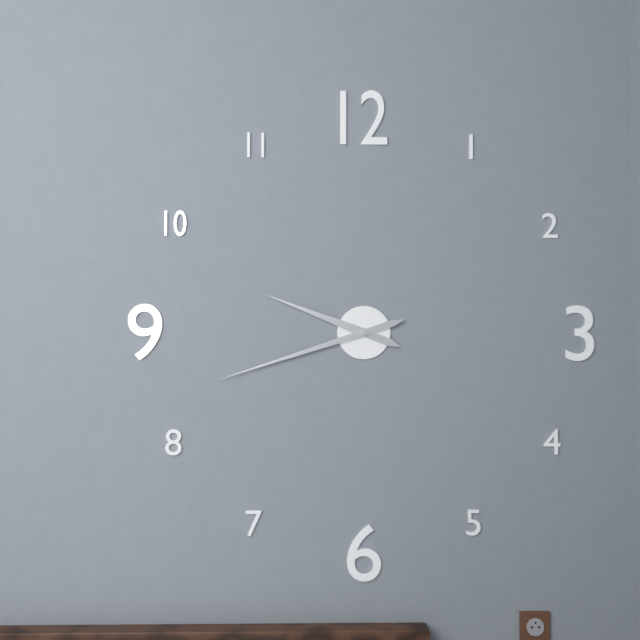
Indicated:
h=9 m=42
